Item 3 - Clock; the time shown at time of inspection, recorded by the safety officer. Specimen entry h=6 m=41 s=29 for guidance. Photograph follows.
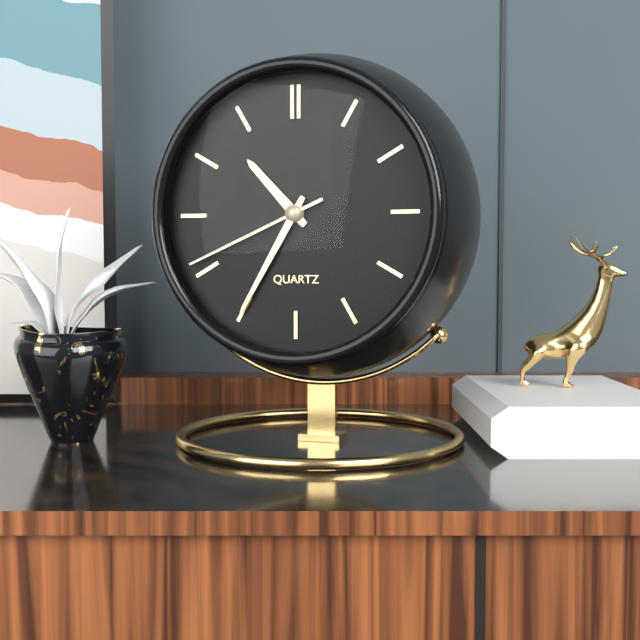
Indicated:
h=10 m=35 s=41
